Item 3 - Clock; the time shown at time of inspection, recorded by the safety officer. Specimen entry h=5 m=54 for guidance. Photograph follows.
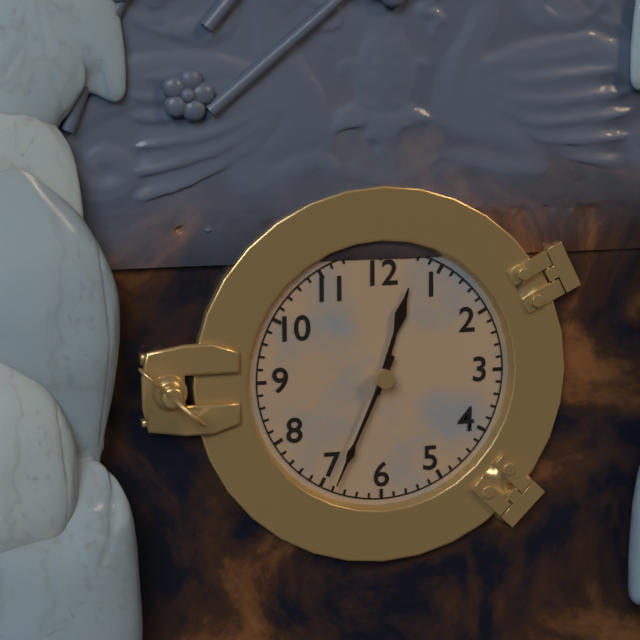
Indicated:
h=12 m=34
